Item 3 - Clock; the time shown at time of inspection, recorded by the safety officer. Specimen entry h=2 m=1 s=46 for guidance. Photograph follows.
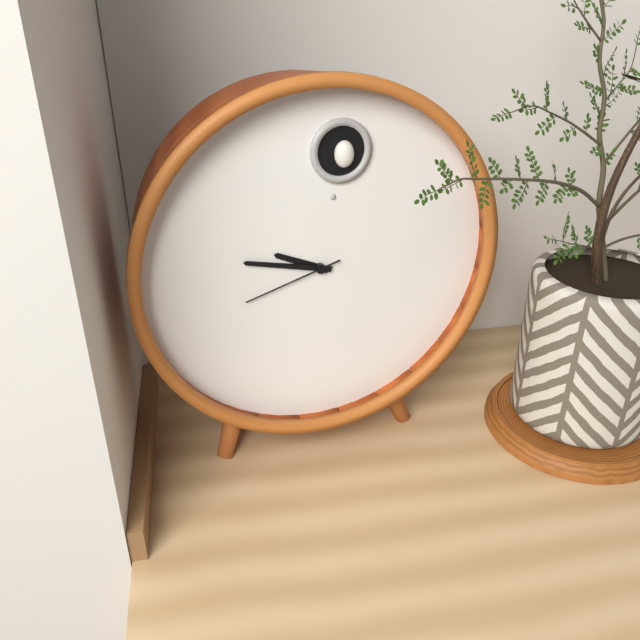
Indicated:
h=9 m=47 s=42
